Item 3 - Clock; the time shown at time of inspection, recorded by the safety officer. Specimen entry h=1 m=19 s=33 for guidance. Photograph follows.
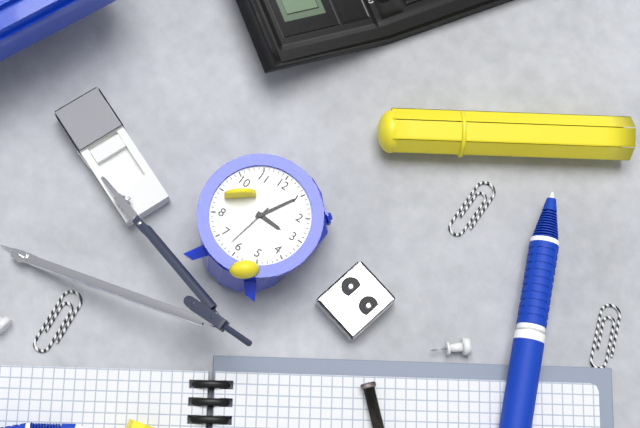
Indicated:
h=3 m=5 s=32
